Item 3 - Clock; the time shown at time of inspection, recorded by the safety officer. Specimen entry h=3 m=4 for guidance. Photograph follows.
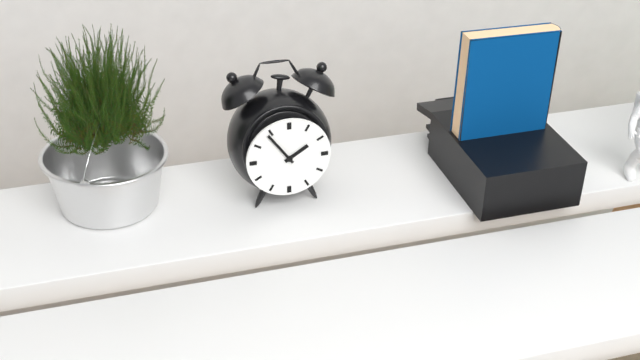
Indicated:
h=1 m=54
